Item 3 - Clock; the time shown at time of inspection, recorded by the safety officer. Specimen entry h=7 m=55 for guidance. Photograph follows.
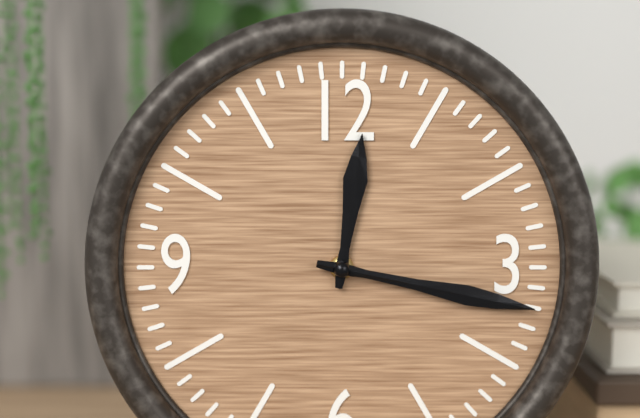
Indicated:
h=12 m=17
